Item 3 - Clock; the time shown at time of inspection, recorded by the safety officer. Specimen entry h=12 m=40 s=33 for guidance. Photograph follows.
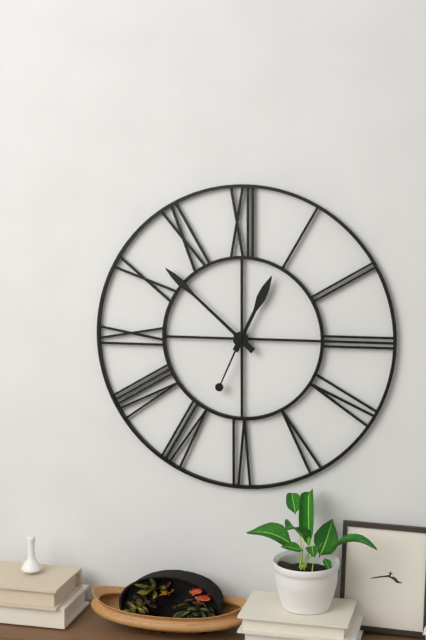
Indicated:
h=12 m=52 s=34
